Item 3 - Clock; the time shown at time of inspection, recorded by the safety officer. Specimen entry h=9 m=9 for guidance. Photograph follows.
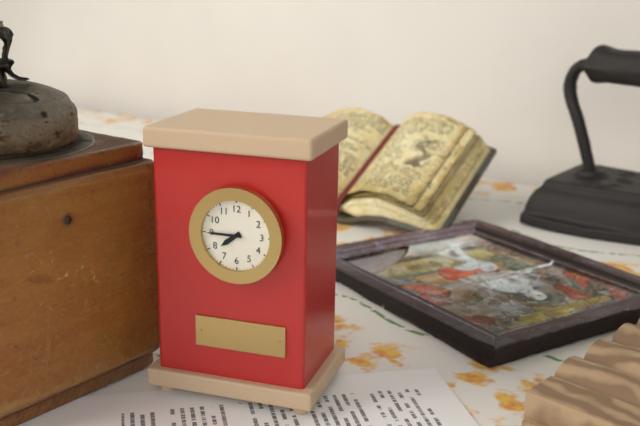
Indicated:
h=7 m=45
